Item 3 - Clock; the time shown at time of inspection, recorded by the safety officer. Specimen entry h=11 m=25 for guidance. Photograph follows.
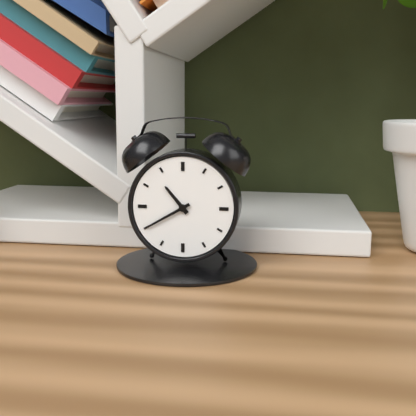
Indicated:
h=10 m=40
